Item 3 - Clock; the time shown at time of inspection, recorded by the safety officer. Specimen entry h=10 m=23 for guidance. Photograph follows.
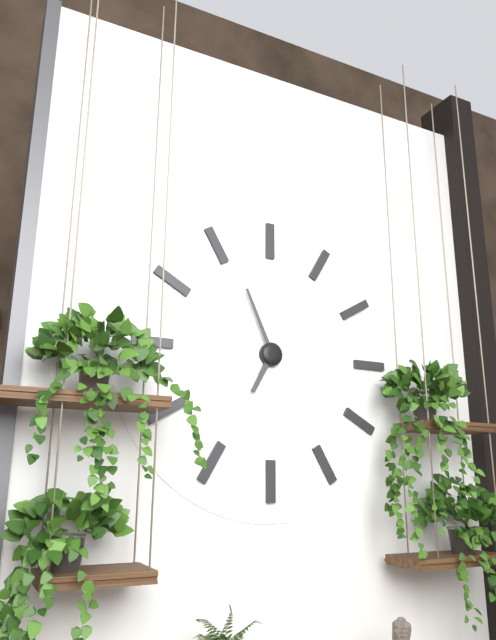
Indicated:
h=6 m=56
